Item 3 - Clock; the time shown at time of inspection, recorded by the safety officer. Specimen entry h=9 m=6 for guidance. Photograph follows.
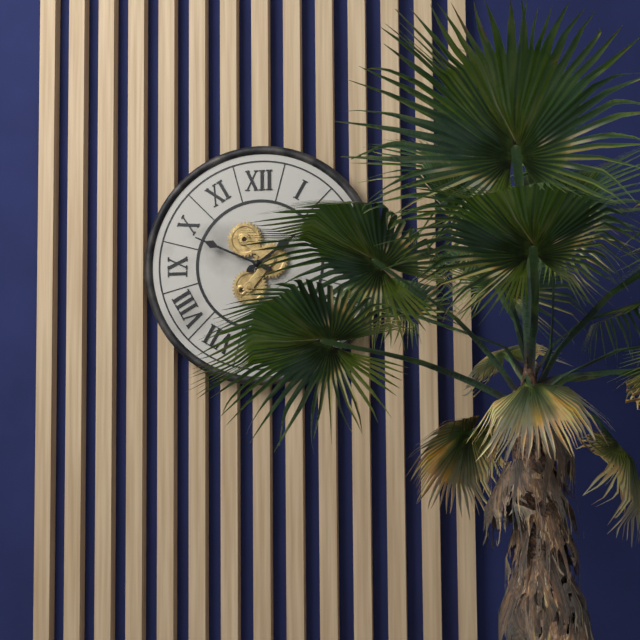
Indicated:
h=1 m=49
